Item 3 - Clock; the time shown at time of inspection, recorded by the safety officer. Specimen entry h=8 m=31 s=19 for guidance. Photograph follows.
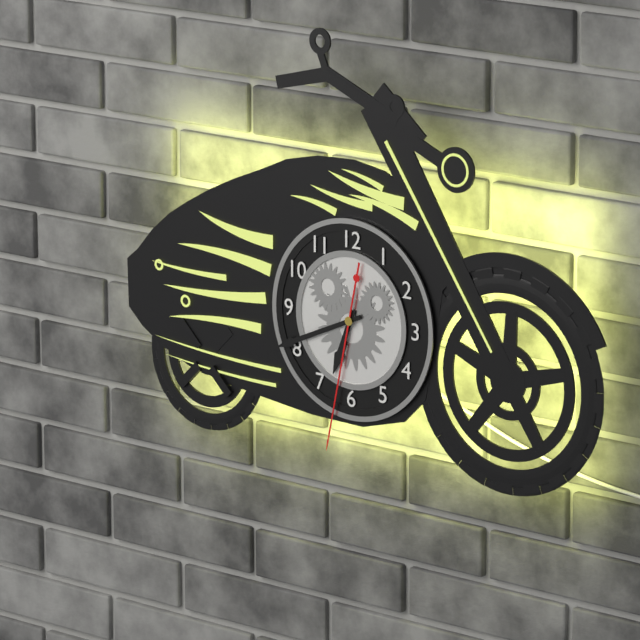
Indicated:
h=6 m=41 s=32
